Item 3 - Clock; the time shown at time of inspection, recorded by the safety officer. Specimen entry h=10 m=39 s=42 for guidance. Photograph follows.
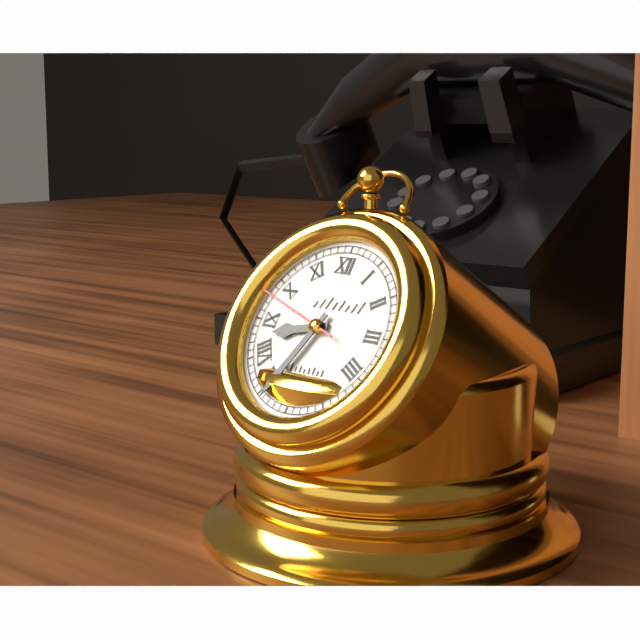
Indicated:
h=8 m=34 s=48
